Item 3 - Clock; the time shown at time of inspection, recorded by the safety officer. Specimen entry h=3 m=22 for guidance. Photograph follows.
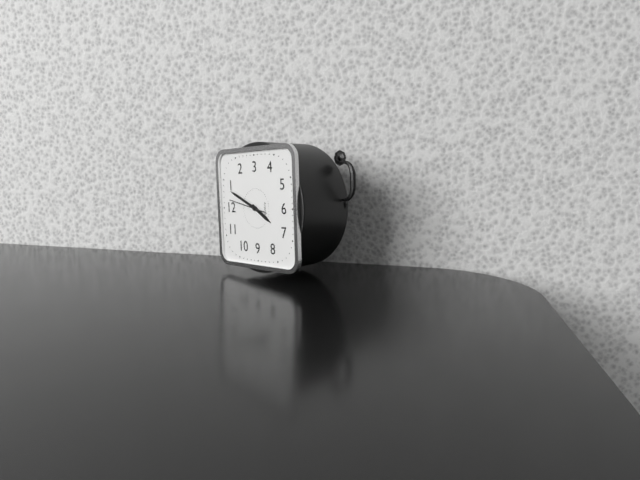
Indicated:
h=7 m=4
